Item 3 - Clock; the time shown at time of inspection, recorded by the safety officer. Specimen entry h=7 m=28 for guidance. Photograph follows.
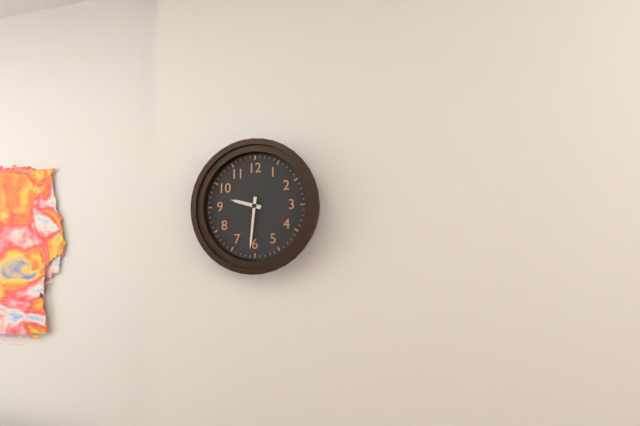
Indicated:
h=9 m=31
